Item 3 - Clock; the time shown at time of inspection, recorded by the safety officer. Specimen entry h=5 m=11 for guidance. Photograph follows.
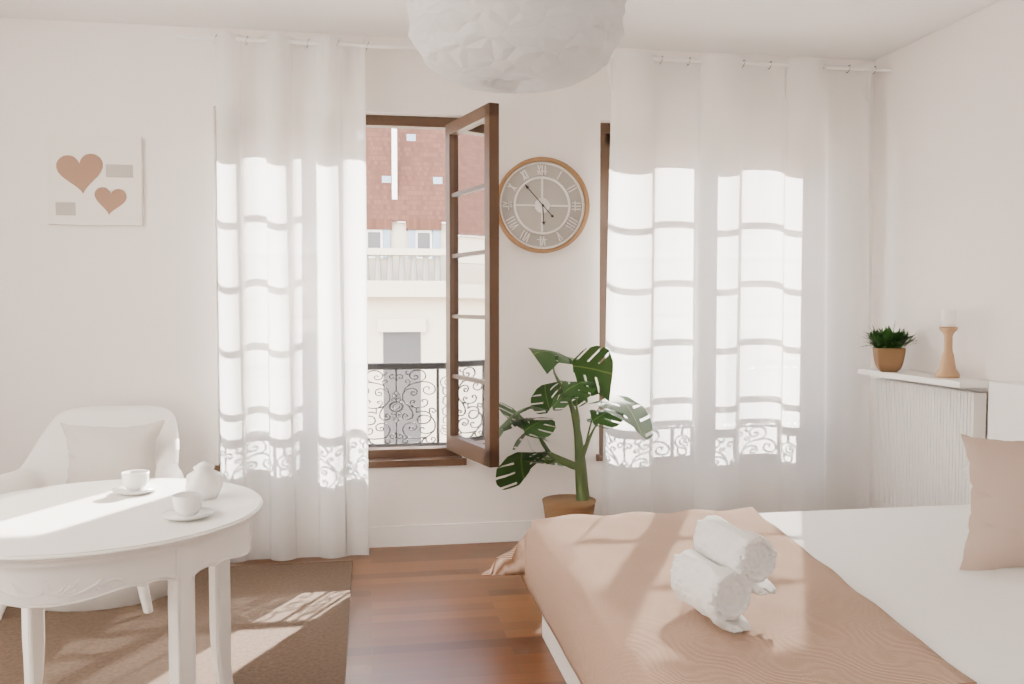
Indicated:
h=5 m=53
